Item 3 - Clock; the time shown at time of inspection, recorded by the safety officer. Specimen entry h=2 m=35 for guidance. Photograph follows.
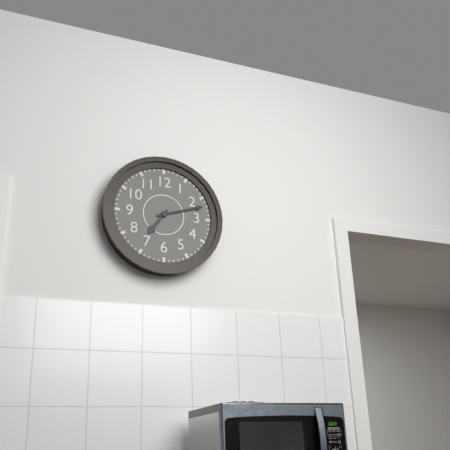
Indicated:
h=7 m=12
